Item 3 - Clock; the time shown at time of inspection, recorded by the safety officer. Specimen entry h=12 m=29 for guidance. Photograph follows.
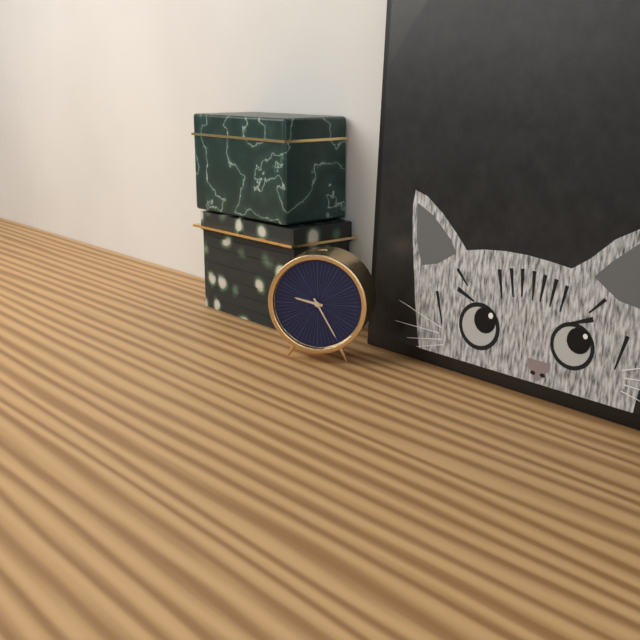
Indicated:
h=9 m=25
